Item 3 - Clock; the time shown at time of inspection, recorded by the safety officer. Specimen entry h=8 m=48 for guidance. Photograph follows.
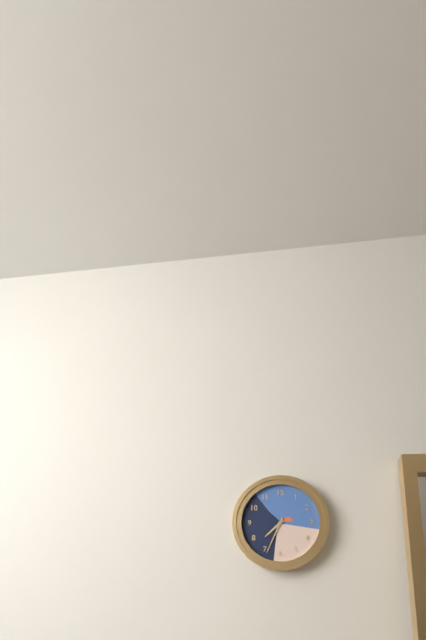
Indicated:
h=7 m=34
